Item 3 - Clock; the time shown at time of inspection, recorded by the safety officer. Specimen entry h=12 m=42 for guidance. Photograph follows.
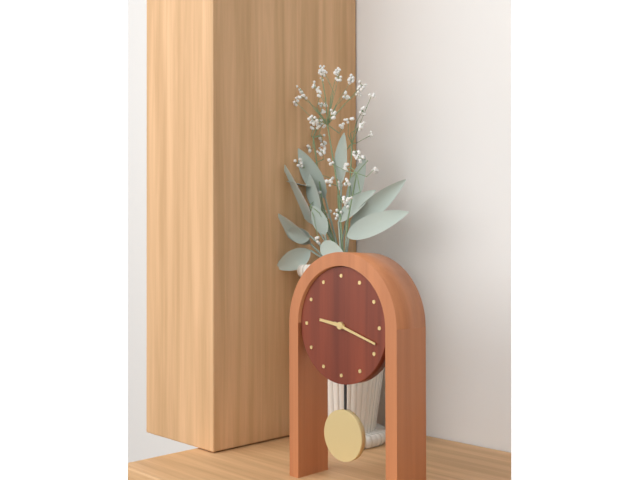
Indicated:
h=9 m=18
